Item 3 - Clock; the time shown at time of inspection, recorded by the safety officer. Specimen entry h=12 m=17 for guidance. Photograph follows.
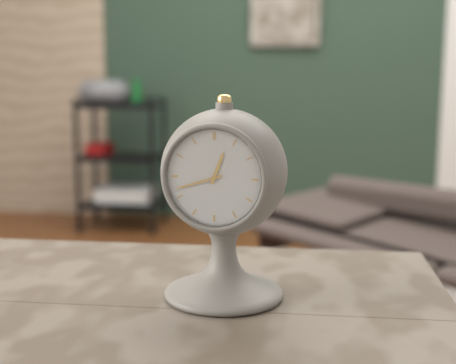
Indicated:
h=12 m=42
